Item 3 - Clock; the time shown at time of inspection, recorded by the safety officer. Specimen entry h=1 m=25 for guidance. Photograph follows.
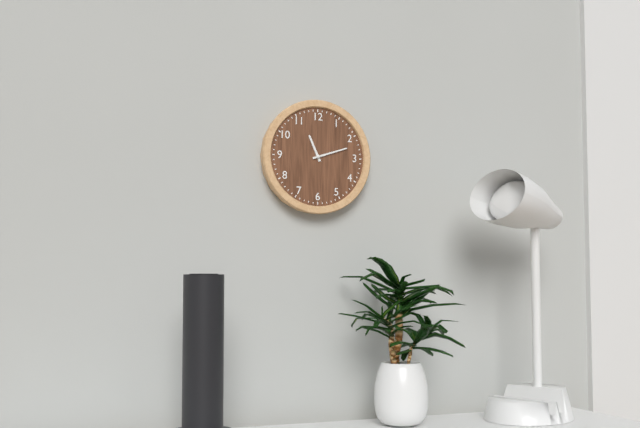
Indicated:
h=11 m=12
